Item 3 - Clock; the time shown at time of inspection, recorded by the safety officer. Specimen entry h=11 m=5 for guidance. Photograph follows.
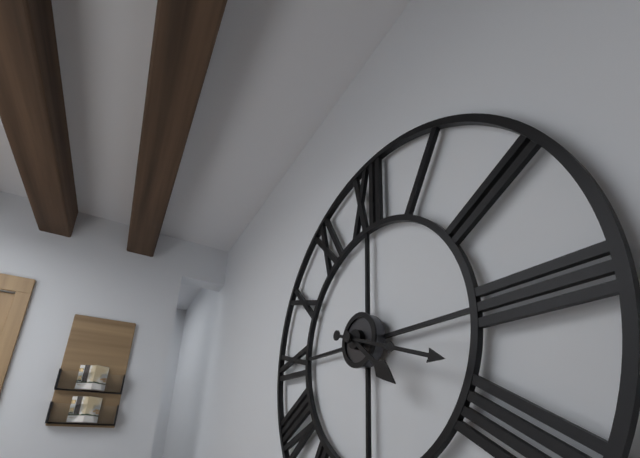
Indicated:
h=4 m=18
